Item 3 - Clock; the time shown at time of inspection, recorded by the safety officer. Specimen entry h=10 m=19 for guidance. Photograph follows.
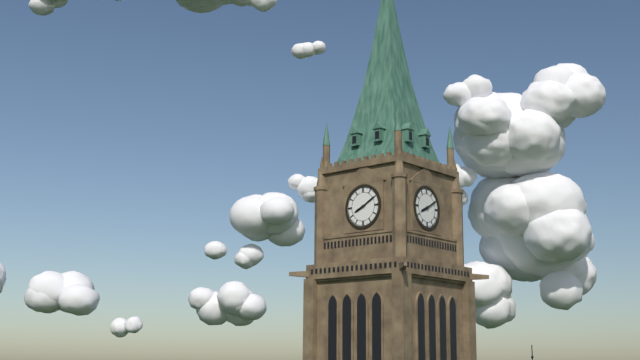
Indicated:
h=8 m=10
